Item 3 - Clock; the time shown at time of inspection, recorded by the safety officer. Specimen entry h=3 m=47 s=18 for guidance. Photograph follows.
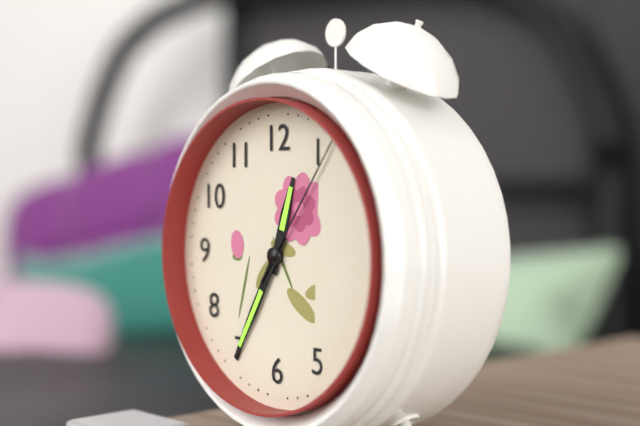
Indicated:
h=12 m=35 s=6
